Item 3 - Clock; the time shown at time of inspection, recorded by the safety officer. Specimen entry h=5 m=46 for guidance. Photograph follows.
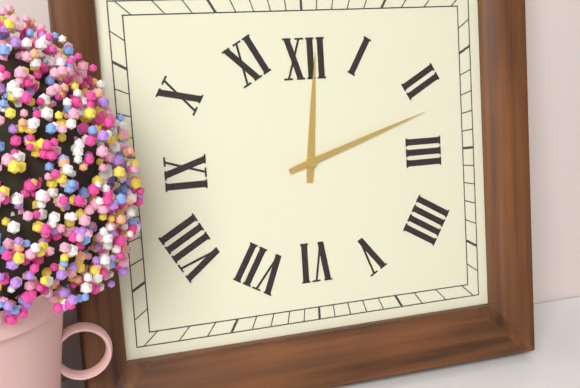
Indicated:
h=12 m=12
